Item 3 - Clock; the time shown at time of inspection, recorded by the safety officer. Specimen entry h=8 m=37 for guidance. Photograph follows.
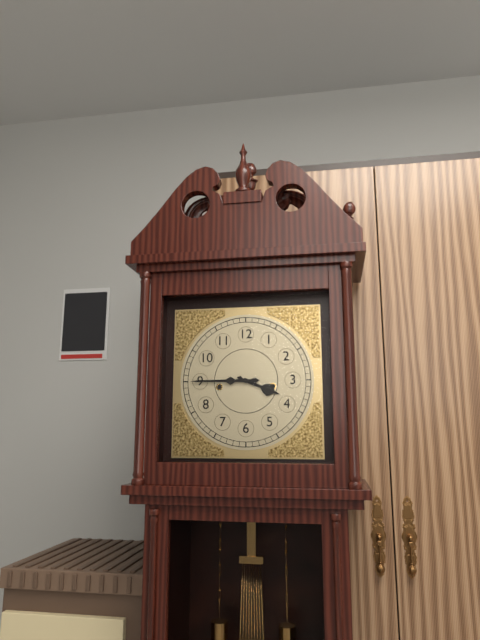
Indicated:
h=3 m=45
